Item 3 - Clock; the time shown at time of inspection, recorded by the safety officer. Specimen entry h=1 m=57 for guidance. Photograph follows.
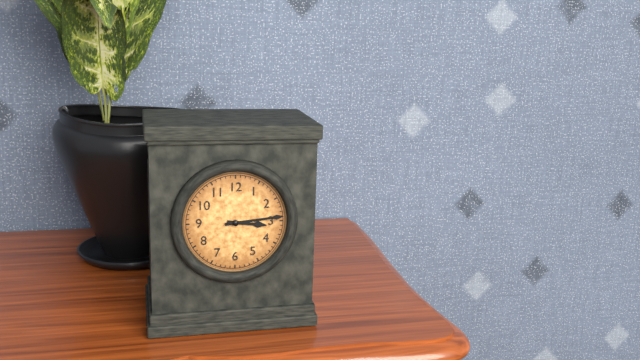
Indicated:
h=3 m=14
